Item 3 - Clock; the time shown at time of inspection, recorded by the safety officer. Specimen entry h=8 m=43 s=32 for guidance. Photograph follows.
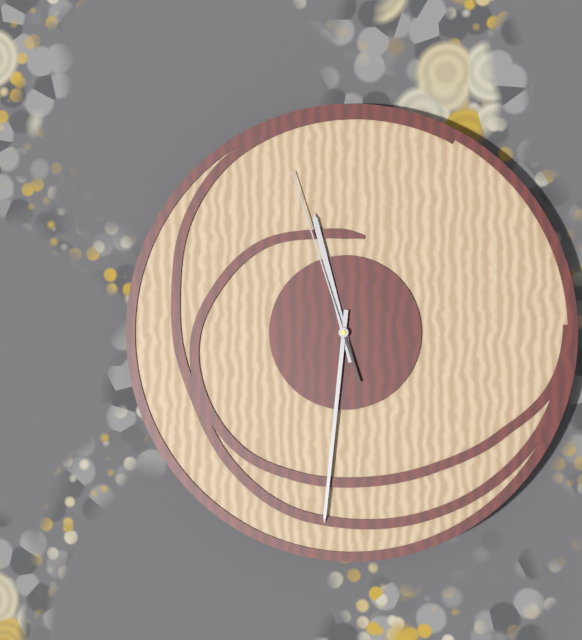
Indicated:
h=11 m=31 s=57
